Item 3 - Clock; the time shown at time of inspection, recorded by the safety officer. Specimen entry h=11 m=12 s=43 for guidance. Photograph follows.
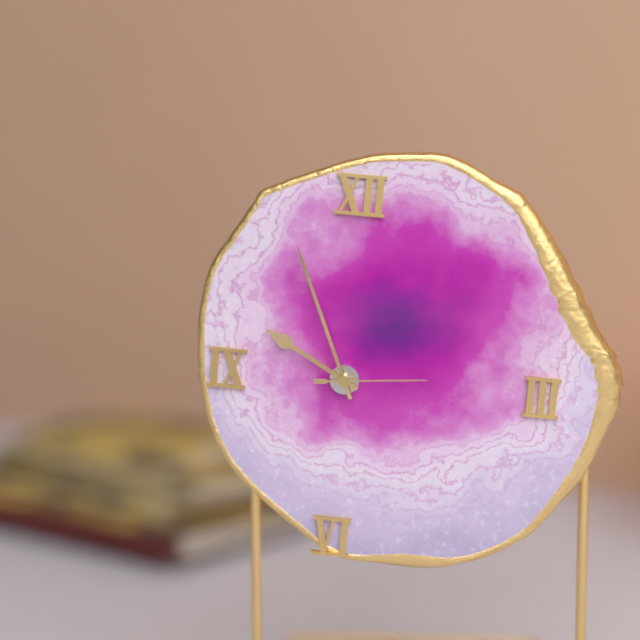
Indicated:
h=9 m=56 s=14
